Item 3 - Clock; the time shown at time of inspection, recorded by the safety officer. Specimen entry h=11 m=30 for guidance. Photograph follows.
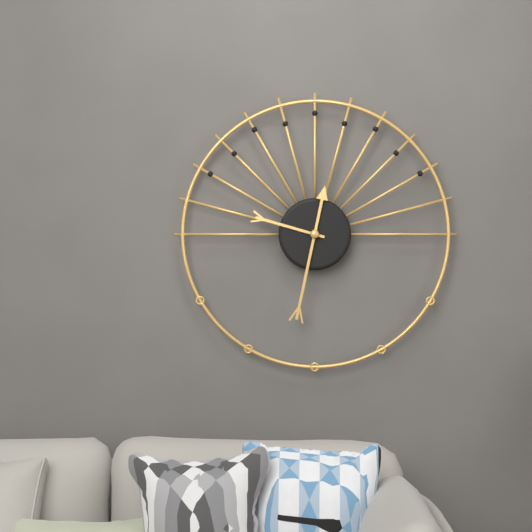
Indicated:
h=9 m=32
